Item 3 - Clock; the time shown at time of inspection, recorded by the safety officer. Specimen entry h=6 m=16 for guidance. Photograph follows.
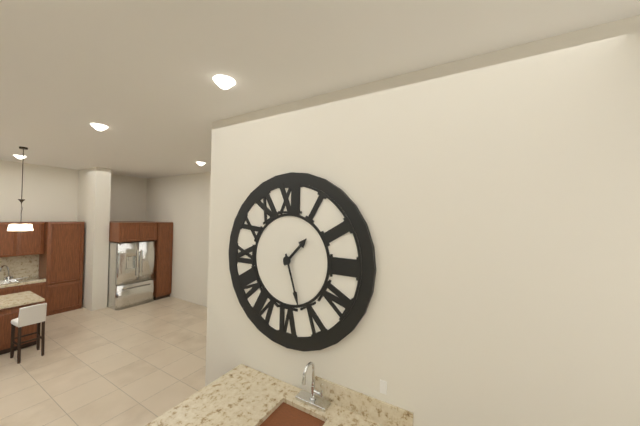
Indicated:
h=1 m=27
